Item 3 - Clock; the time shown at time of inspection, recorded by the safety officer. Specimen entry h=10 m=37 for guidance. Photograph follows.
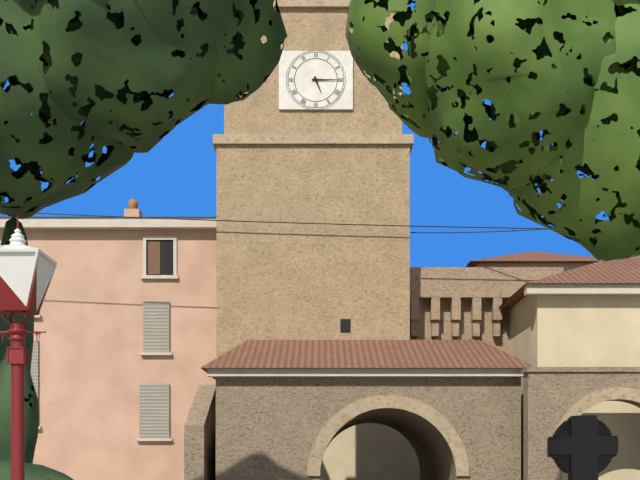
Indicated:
h=5 m=15
